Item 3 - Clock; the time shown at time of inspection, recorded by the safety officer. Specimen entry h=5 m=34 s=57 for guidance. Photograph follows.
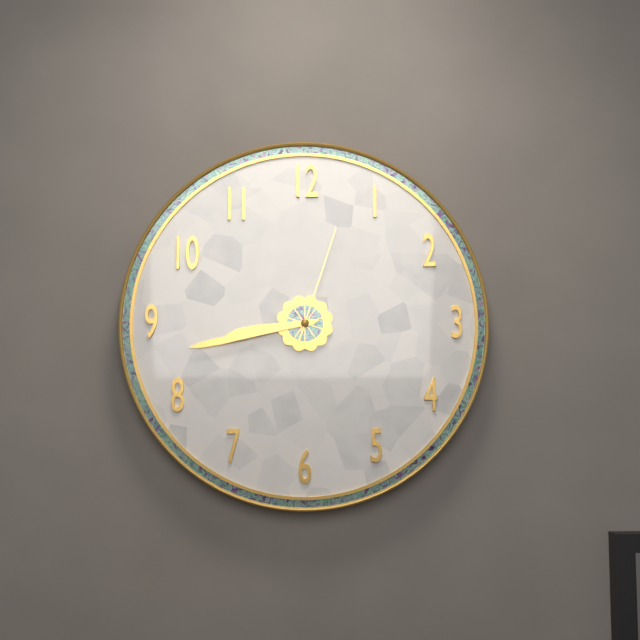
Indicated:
h=8 m=43 s=3
